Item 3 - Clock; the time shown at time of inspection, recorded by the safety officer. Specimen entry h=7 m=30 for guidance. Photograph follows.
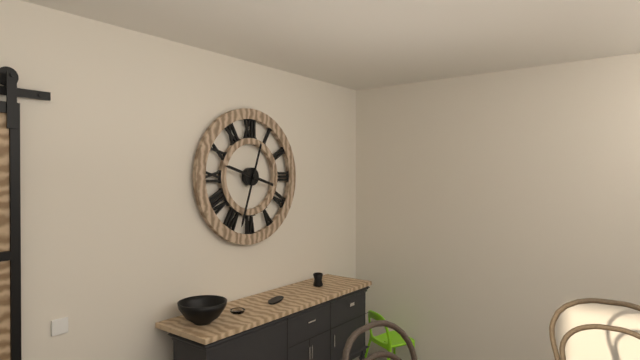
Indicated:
h=9 m=33
